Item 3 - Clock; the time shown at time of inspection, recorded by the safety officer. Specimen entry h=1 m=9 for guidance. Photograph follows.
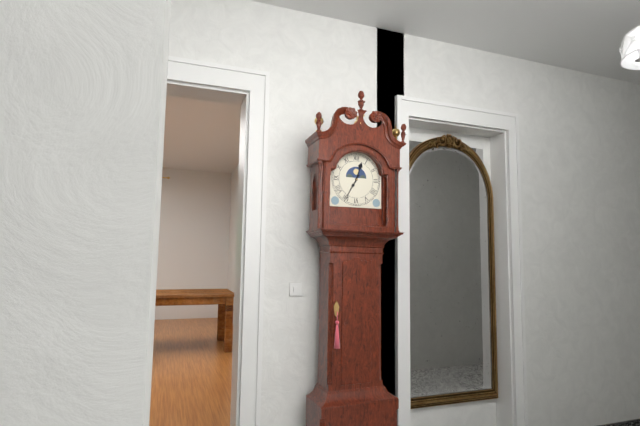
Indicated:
h=12 m=35
